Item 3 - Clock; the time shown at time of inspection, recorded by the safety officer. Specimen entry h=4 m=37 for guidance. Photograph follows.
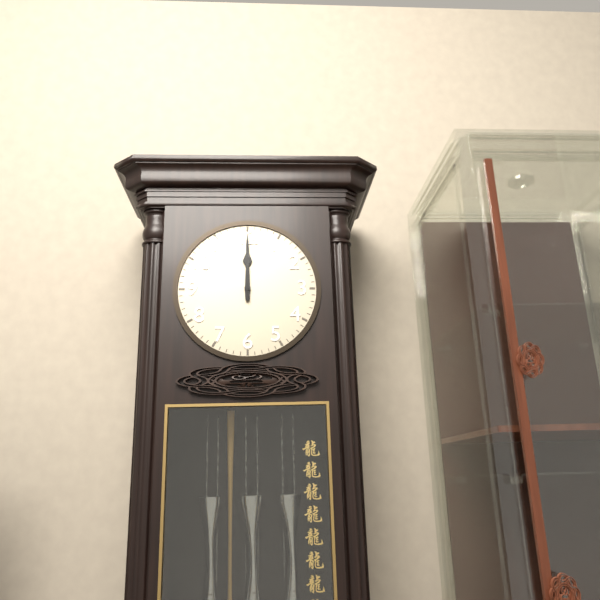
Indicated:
h=12 m=0
